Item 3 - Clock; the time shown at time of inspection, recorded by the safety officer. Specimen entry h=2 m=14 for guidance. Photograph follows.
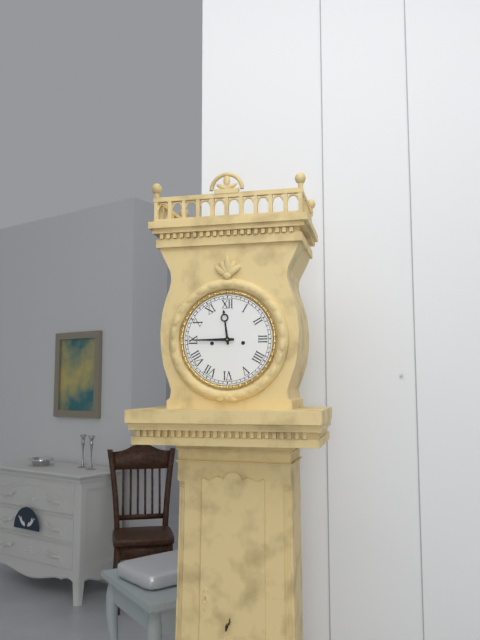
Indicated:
h=11 m=45
